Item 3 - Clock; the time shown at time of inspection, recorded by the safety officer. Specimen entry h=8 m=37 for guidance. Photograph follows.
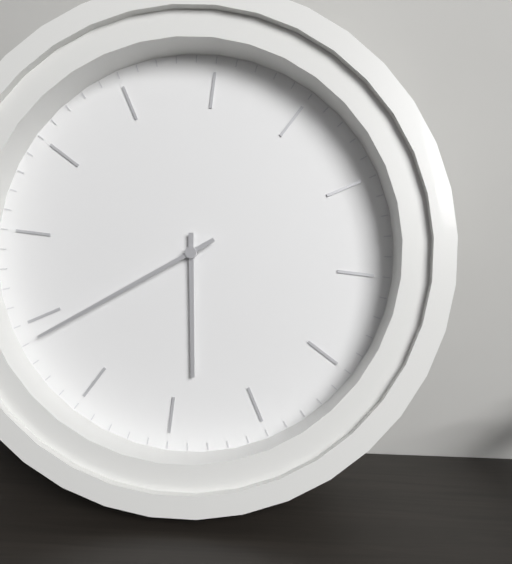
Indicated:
h=6 m=44
